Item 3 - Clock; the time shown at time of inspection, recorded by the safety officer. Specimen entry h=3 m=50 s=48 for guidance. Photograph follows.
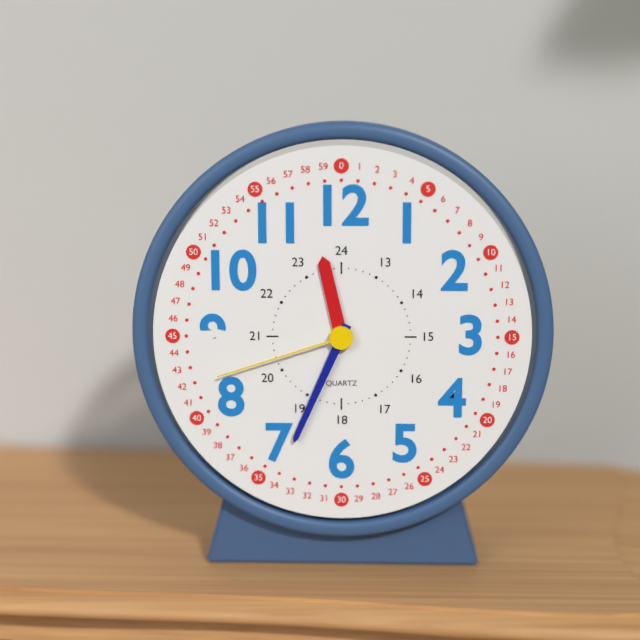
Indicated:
h=11 m=34 s=42
